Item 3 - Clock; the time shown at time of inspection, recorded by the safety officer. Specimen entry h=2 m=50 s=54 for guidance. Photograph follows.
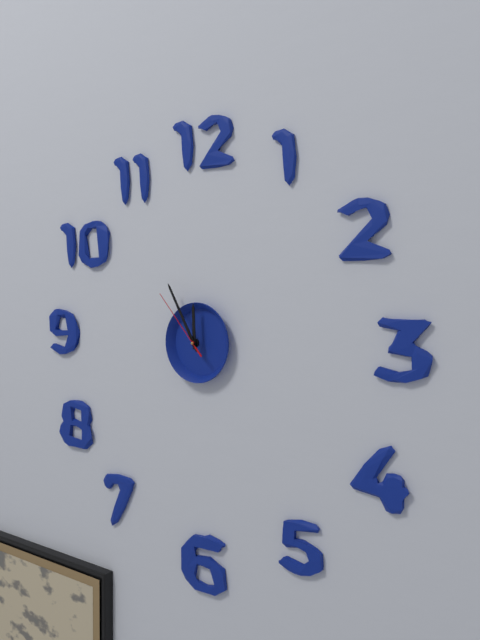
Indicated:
h=11 m=55 s=53
